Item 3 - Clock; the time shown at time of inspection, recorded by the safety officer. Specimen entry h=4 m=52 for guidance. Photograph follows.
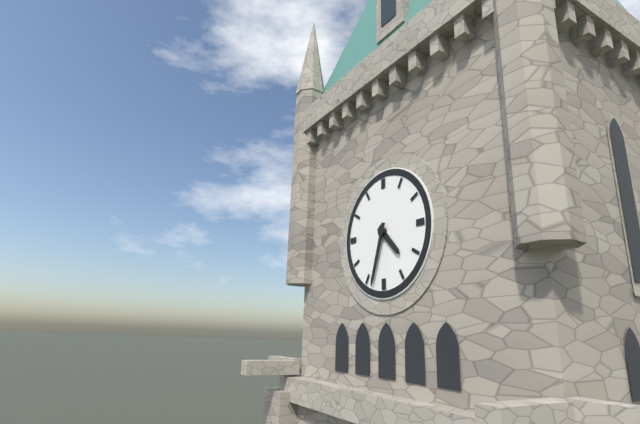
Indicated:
h=4 m=33
